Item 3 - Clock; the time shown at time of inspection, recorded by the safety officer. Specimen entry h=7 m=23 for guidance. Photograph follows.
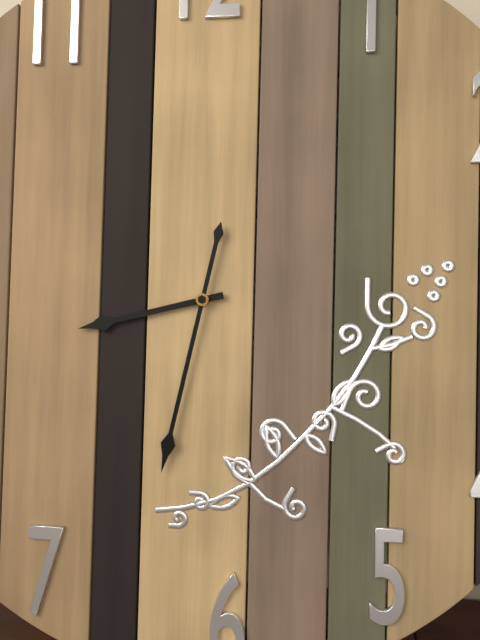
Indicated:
h=8 m=32
